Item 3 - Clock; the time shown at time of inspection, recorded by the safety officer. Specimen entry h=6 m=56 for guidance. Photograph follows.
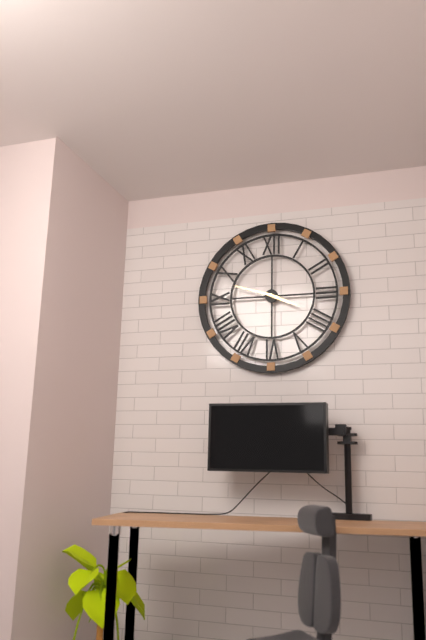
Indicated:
h=3 m=48
